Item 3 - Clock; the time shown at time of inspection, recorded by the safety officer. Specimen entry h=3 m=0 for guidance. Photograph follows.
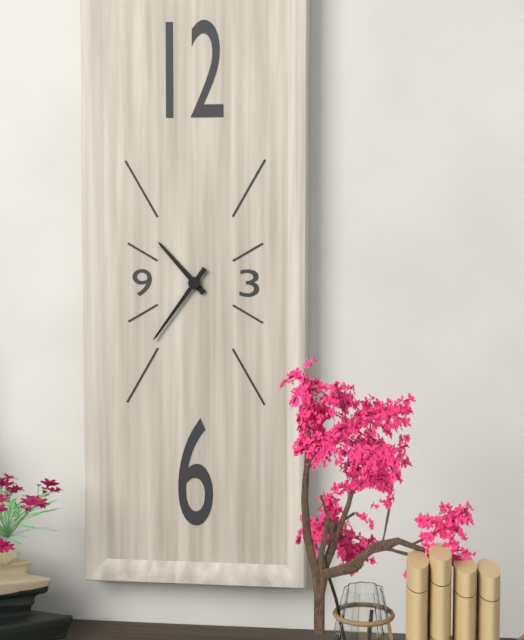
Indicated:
h=10 m=36
